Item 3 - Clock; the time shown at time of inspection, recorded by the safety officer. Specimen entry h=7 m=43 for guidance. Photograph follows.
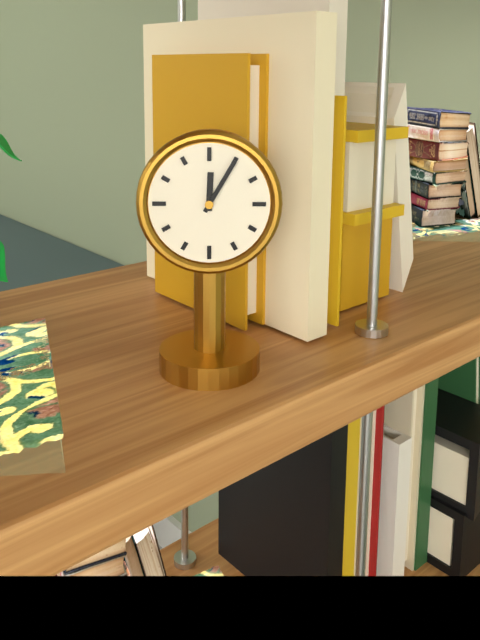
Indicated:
h=12 m=5
